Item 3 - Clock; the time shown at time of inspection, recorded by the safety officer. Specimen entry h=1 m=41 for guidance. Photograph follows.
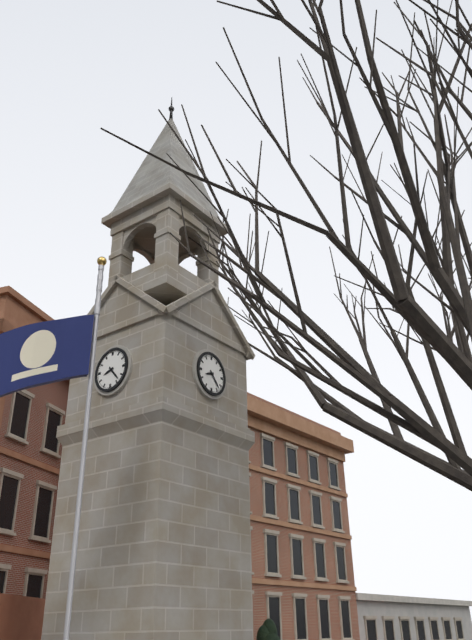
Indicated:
h=8 m=23
